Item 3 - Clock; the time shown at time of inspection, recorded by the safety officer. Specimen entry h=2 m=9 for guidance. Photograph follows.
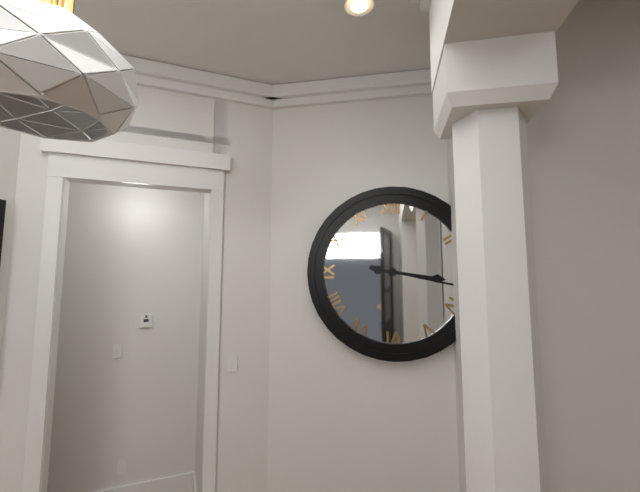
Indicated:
h=3 m=17
